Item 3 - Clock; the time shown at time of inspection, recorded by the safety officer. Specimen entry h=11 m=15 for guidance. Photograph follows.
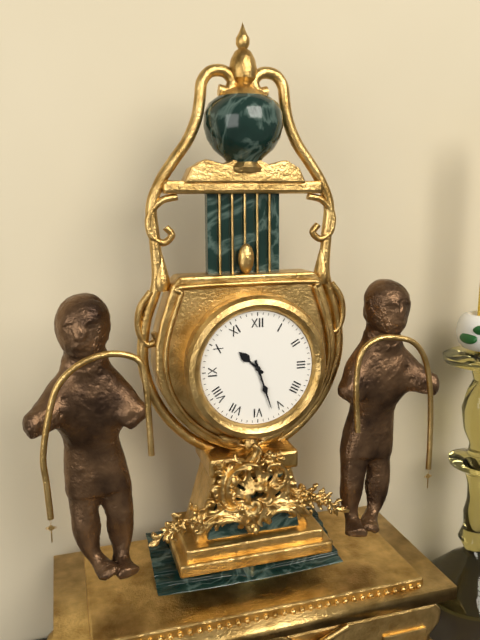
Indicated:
h=10 m=27
